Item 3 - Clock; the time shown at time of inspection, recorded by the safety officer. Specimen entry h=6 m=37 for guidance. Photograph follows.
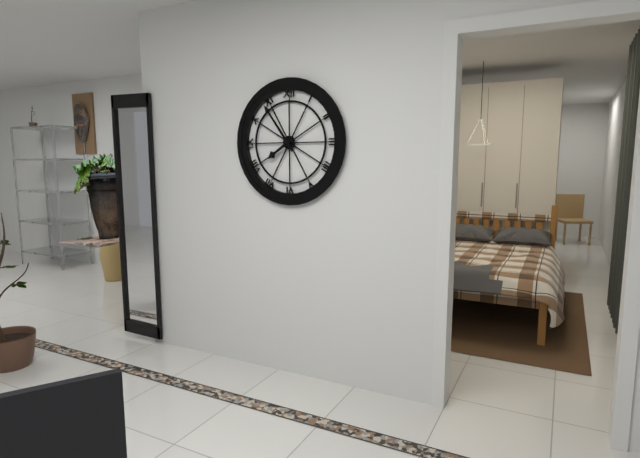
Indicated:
h=7 m=54
